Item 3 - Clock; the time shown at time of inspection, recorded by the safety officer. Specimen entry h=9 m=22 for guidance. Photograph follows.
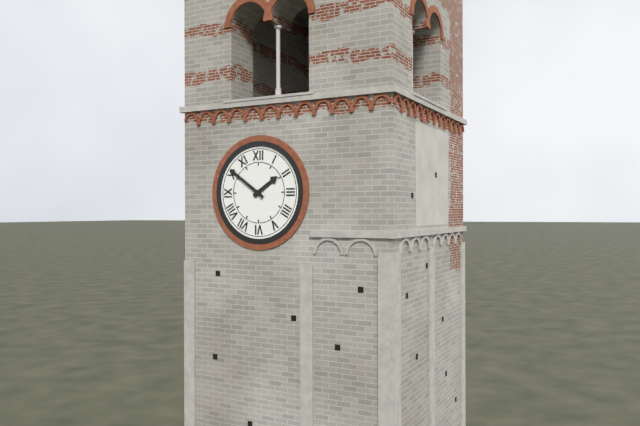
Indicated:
h=1 m=51
